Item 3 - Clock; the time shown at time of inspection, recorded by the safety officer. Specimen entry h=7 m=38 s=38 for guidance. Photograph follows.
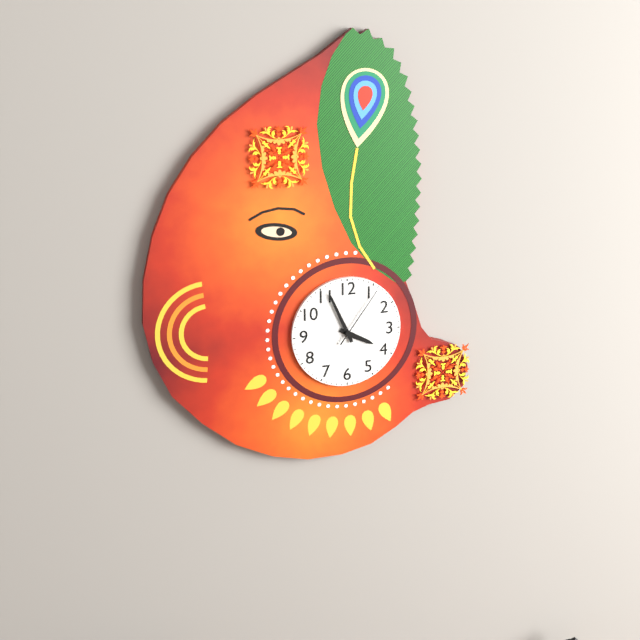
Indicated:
h=3 m=56 s=6
